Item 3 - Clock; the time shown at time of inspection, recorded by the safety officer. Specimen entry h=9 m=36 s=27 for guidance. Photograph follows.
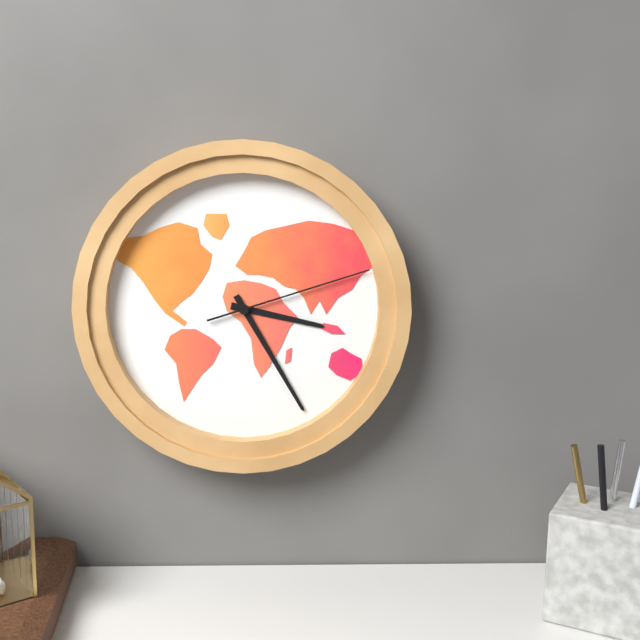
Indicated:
h=3 m=25 s=12
